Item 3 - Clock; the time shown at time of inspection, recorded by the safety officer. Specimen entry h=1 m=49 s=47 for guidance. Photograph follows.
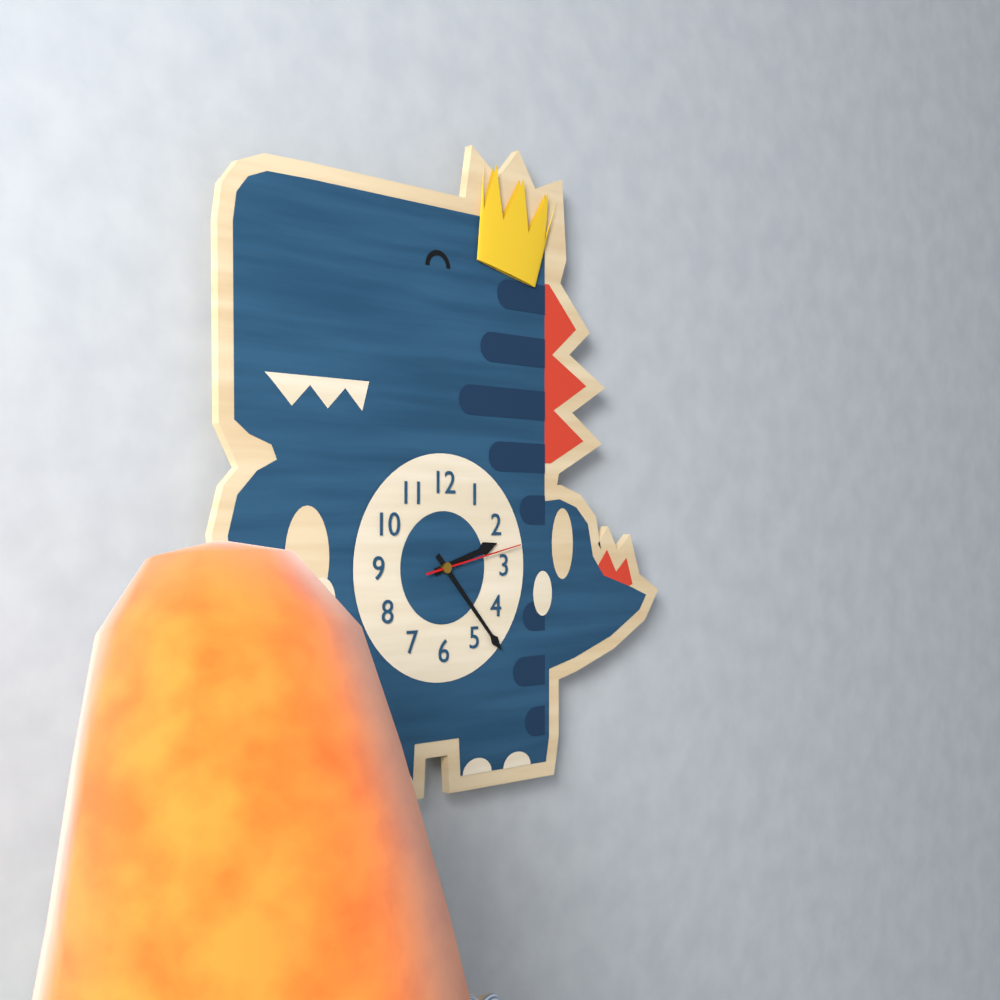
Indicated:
h=2 m=23 s=13
